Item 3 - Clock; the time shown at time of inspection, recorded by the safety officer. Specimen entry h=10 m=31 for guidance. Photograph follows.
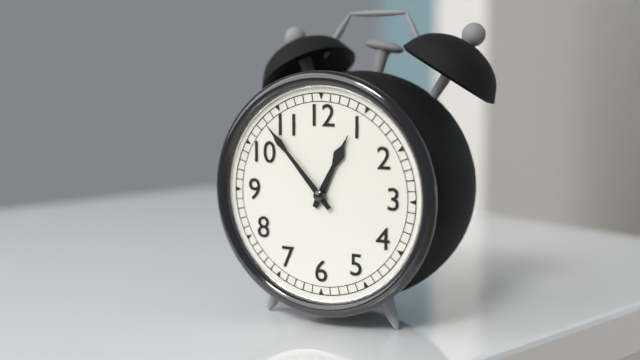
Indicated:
h=12 m=53
